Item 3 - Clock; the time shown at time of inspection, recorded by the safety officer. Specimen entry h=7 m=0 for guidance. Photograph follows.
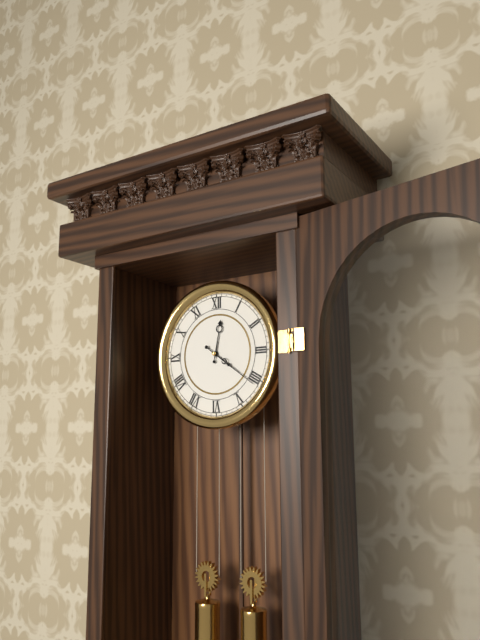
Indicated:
h=12 m=21
